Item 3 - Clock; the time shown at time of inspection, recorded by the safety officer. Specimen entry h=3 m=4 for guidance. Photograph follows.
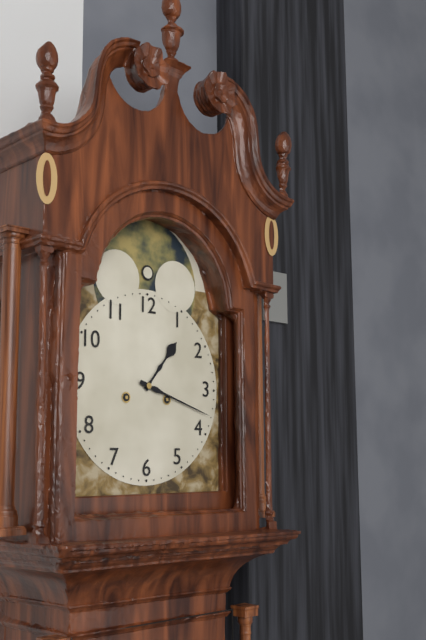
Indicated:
h=1 m=18
